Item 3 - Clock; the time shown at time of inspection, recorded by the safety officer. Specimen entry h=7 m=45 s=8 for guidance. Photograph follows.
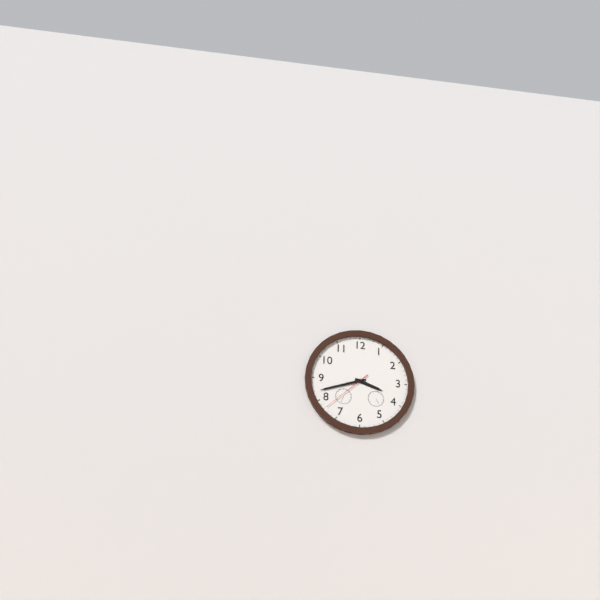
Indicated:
h=3 m=42 s=38
